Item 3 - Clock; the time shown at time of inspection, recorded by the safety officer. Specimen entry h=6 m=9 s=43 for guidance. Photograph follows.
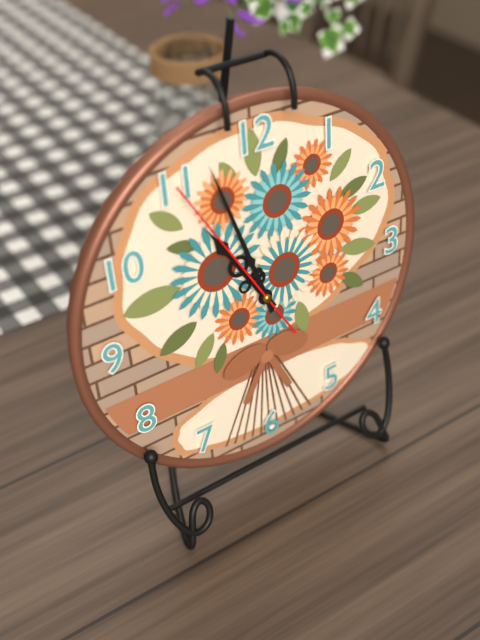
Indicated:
h=10 m=57 s=55
